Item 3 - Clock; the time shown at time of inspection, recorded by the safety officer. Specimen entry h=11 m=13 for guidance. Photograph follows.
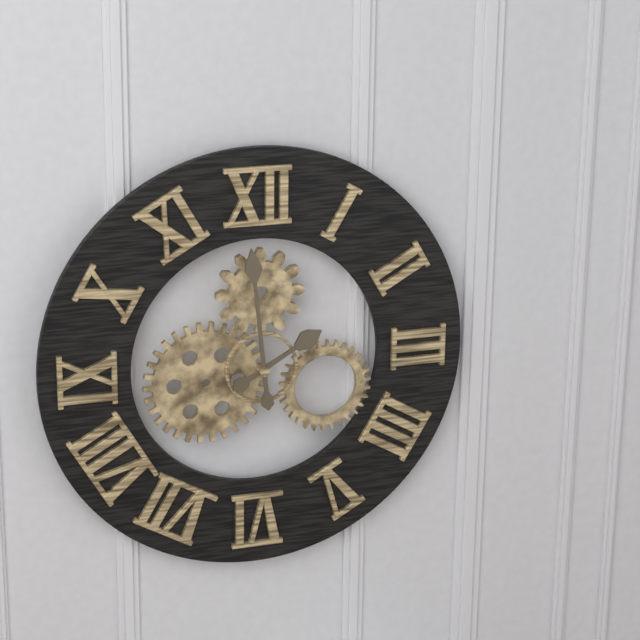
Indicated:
h=1 m=59
